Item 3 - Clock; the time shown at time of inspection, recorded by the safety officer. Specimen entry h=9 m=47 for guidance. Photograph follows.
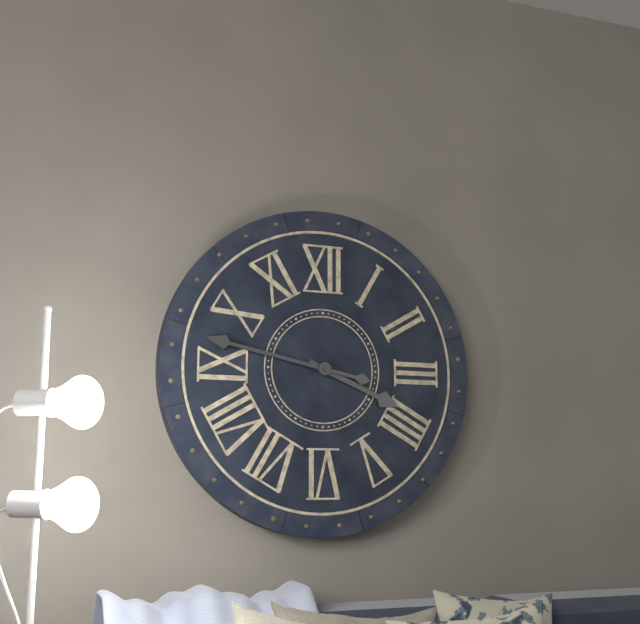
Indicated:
h=3 m=47
